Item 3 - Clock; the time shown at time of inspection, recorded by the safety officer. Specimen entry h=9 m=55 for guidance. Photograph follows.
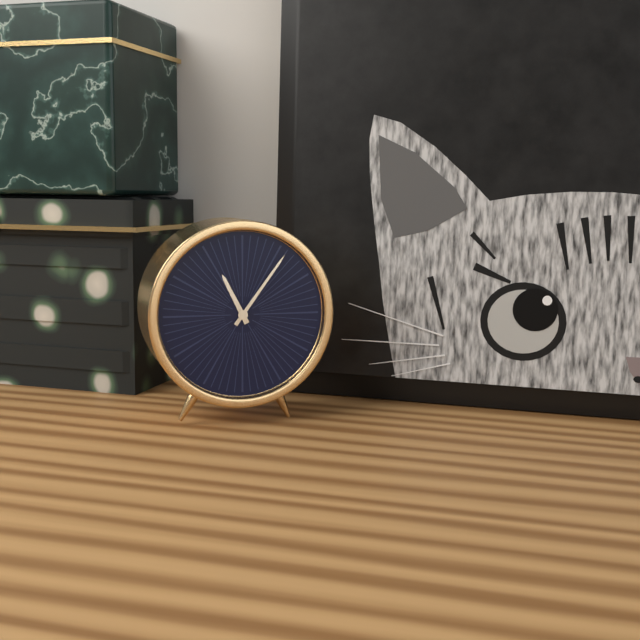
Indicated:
h=11 m=6
